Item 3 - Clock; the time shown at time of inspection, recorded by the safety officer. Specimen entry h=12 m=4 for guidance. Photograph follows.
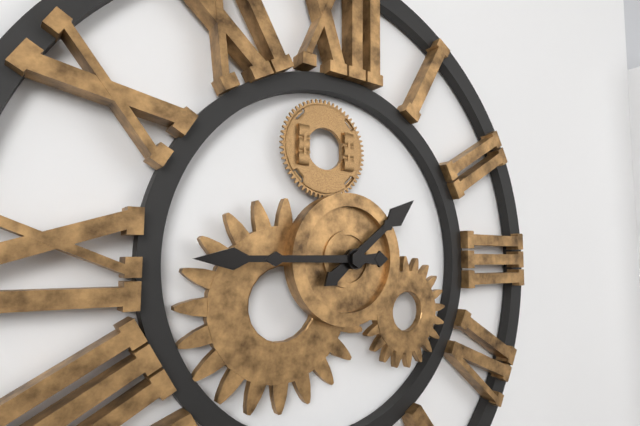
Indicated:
h=1 m=45
